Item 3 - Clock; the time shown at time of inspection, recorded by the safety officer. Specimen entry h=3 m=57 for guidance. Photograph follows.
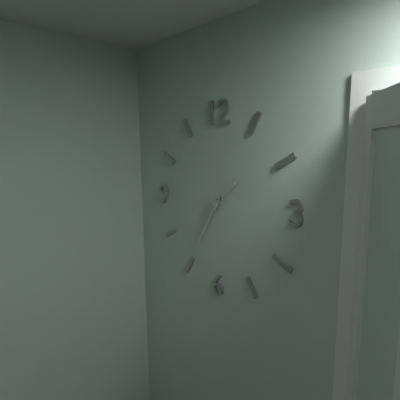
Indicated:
h=1 m=35
